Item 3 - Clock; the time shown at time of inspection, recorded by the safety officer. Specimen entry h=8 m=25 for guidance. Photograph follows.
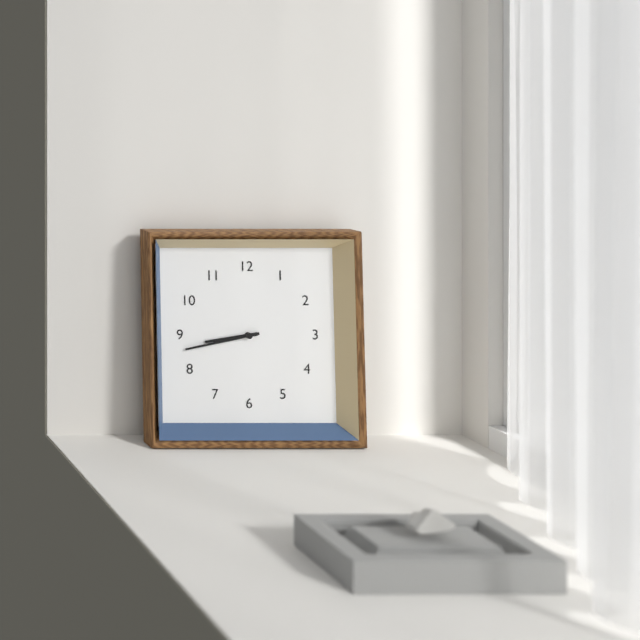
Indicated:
h=8 m=43
